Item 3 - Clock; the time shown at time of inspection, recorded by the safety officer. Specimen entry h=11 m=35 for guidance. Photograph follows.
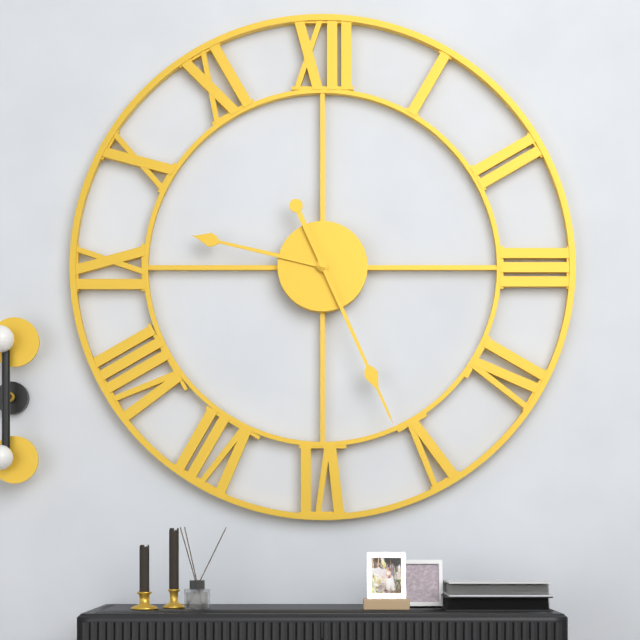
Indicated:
h=9 m=26
